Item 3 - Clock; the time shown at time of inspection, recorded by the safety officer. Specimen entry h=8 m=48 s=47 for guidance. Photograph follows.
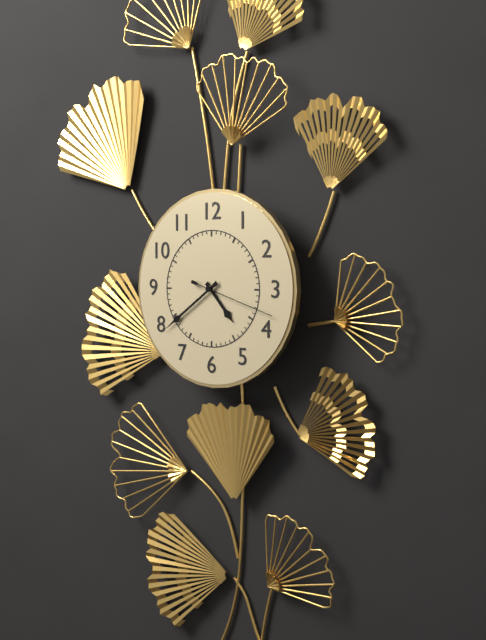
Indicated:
h=4 m=39 s=18
